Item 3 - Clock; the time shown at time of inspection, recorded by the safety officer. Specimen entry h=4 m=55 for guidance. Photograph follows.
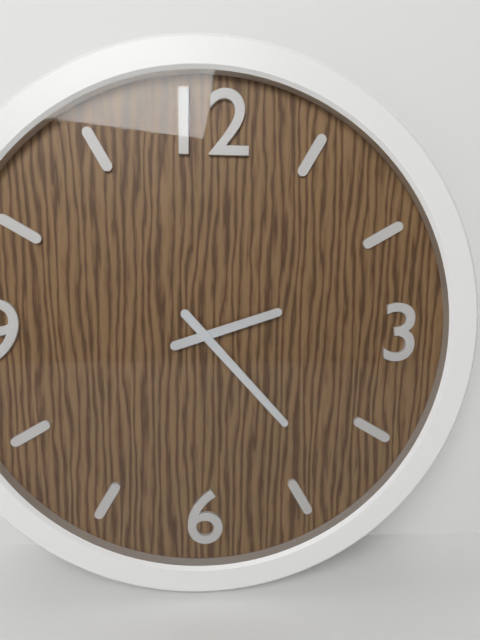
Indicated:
h=2 m=23
